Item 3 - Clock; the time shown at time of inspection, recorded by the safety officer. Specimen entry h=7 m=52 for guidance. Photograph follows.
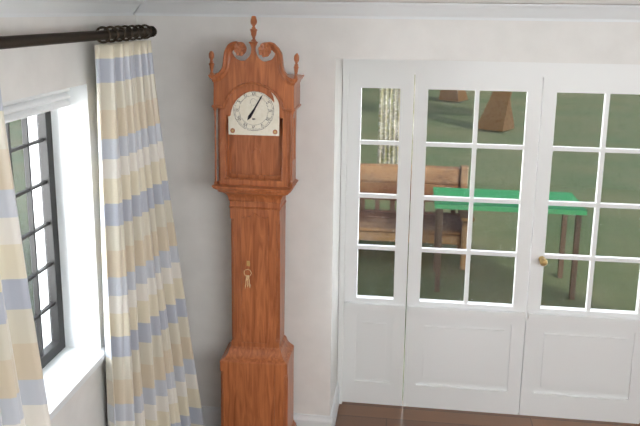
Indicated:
h=7 m=5
